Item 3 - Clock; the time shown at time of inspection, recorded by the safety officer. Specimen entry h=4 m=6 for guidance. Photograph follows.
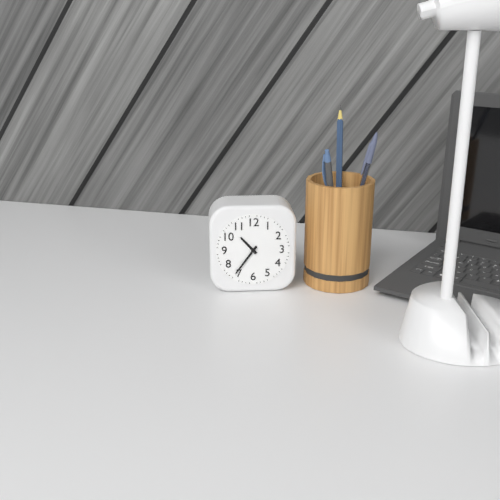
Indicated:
h=10 m=36
